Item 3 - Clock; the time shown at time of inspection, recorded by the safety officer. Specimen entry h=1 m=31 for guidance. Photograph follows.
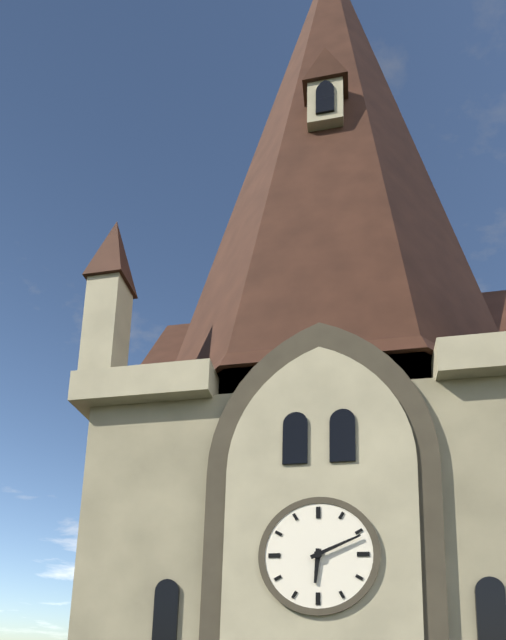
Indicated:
h=6 m=11
